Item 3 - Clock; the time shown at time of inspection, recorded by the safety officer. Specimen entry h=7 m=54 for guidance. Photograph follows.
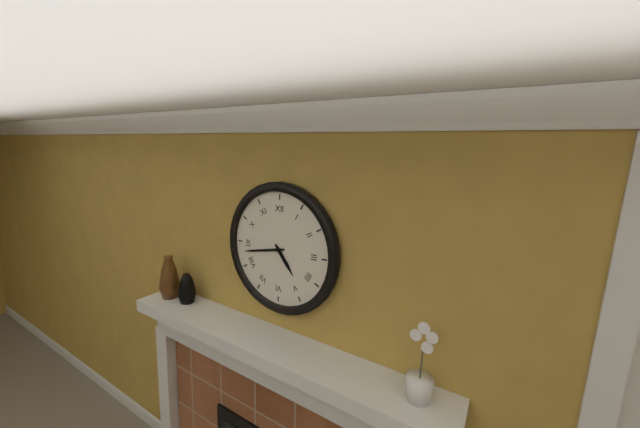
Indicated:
h=4 m=43
